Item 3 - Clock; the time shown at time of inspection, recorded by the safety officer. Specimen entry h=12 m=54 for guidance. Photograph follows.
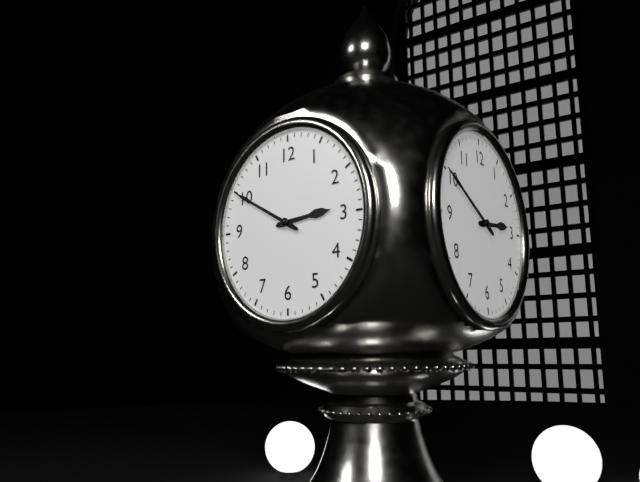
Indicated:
h=2 m=50
